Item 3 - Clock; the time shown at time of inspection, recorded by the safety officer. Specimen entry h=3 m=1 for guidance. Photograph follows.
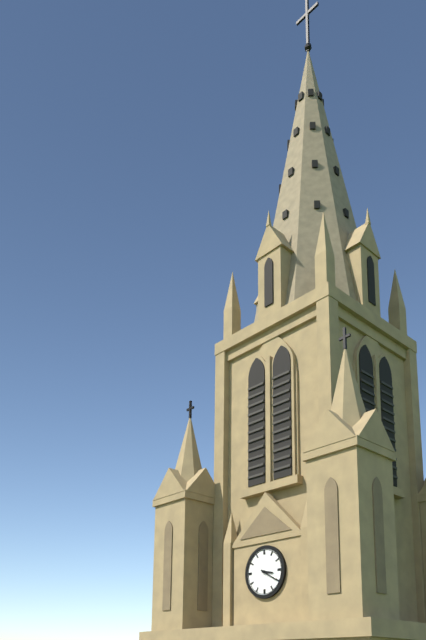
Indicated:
h=3 m=20
